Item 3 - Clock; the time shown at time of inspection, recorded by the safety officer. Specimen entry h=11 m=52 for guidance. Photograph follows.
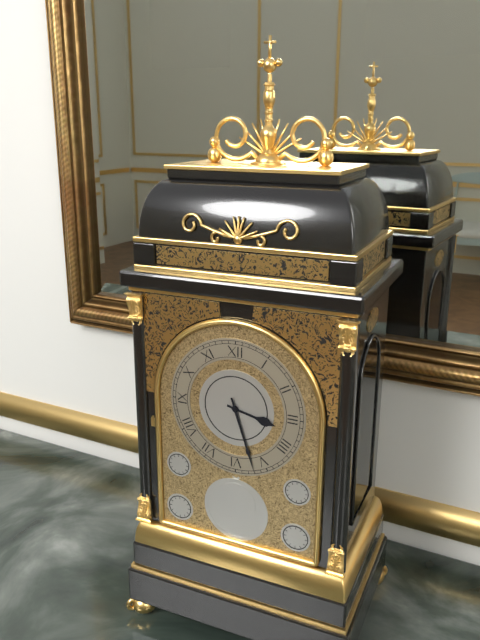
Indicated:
h=3 m=27
